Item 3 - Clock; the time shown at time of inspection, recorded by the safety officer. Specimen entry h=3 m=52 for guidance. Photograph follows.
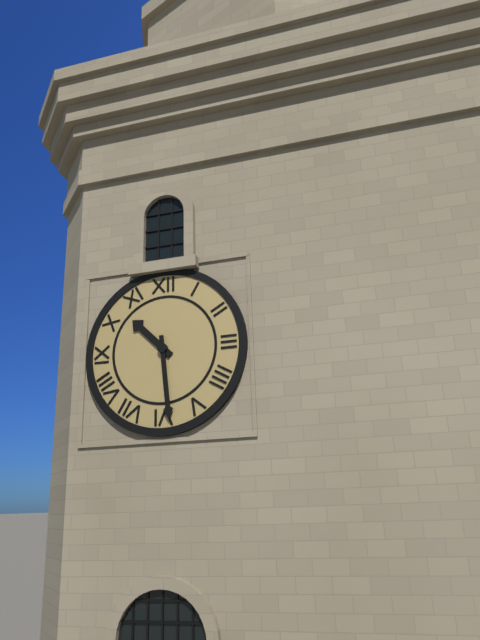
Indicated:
h=10 m=29
